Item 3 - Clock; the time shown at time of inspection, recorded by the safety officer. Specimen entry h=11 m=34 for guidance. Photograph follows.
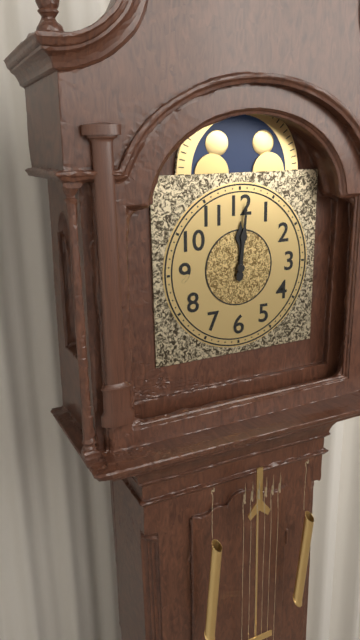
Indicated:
h=12 m=1
